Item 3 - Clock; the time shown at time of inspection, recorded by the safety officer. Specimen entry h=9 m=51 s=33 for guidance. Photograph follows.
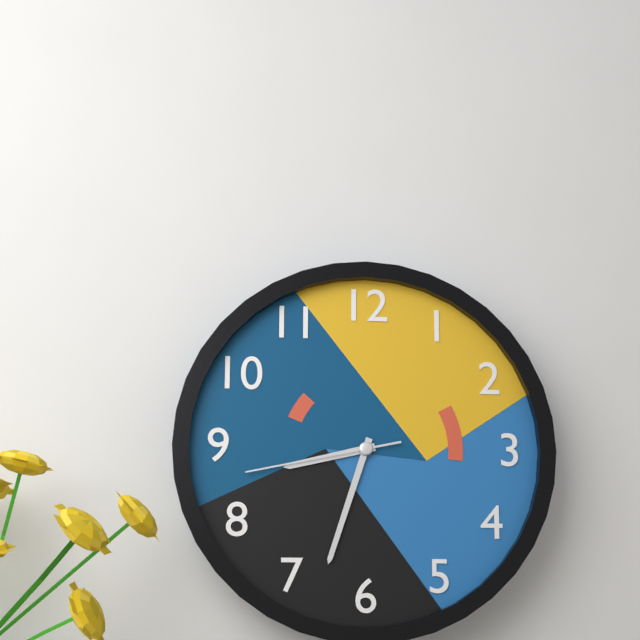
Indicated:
h=8 m=33 s=43
